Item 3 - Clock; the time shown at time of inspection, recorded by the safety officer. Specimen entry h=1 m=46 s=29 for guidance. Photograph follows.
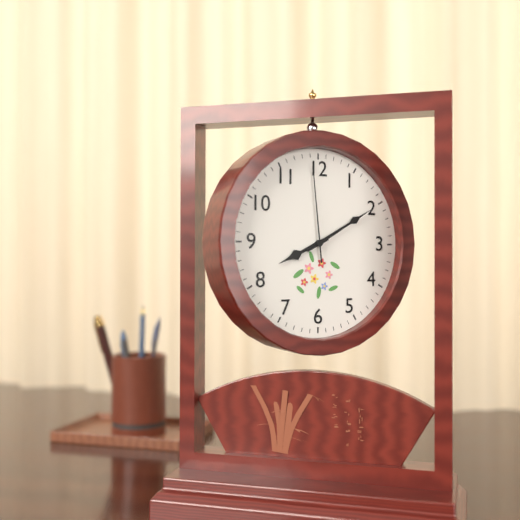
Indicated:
h=8 m=10 s=59
